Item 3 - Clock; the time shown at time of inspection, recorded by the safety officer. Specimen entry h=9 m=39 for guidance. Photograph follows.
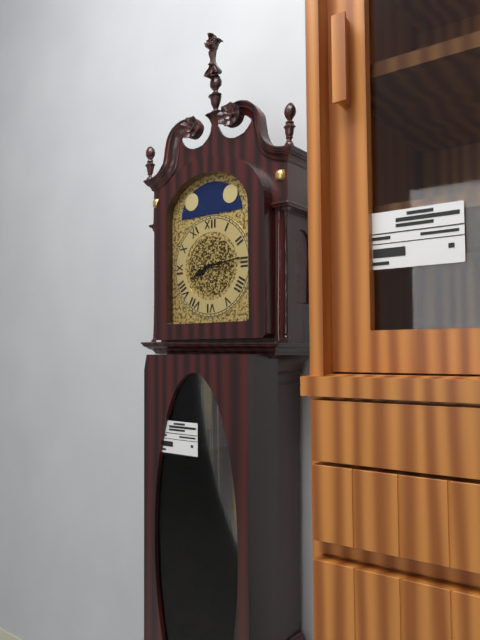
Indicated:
h=8 m=14
